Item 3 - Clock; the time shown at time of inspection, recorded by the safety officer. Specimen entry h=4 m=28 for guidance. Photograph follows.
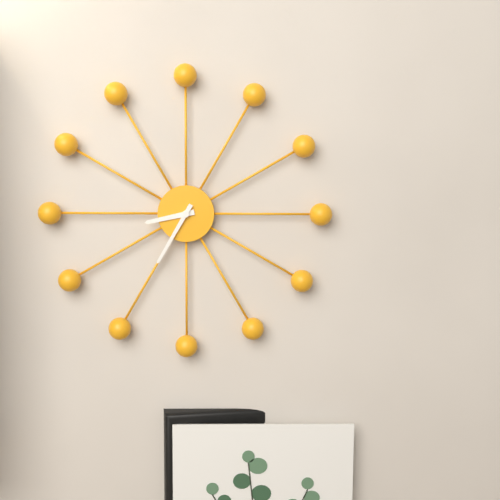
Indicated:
h=8 m=35
